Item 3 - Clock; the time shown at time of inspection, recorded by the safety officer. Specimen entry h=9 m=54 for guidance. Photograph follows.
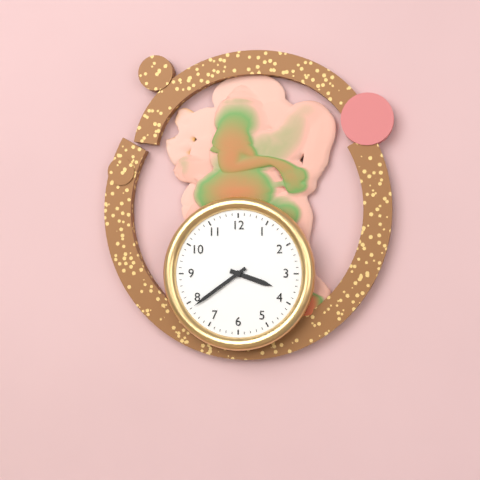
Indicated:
h=3 m=39
